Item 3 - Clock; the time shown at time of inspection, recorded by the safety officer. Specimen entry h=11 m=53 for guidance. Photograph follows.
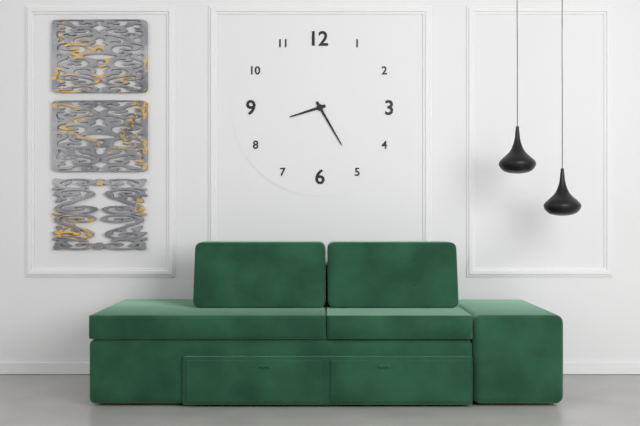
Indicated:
h=8 m=25
